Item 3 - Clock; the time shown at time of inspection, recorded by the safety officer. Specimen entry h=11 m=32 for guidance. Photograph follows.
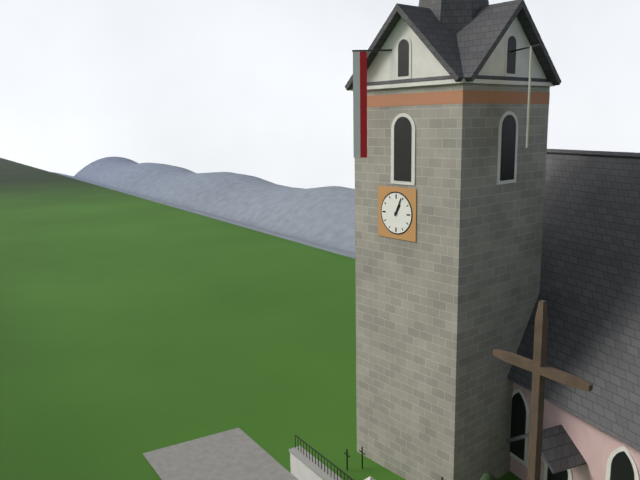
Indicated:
h=1 m=4
